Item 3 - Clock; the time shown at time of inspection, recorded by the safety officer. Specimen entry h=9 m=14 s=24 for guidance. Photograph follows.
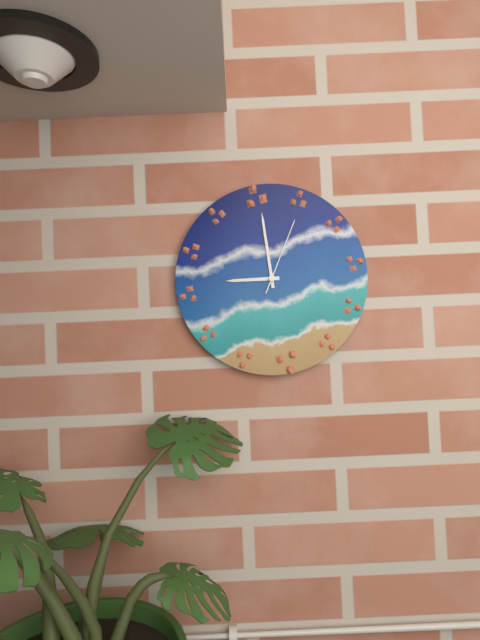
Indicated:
h=8 m=59 s=4
